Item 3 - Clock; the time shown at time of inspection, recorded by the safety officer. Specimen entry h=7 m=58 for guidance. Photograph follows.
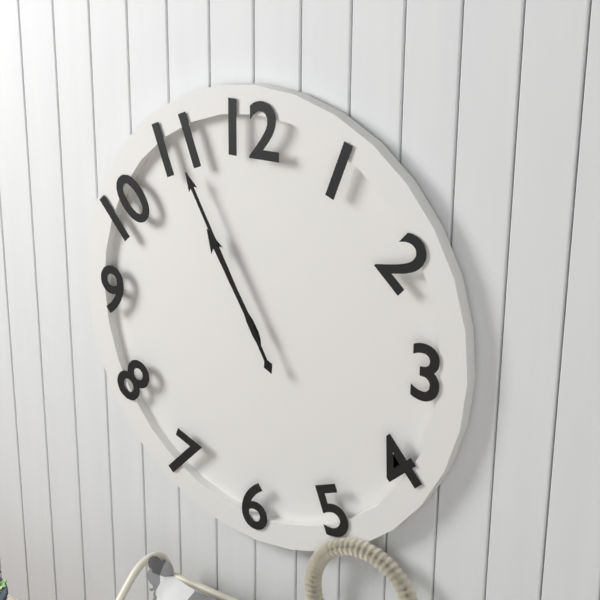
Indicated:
h=10 m=55
